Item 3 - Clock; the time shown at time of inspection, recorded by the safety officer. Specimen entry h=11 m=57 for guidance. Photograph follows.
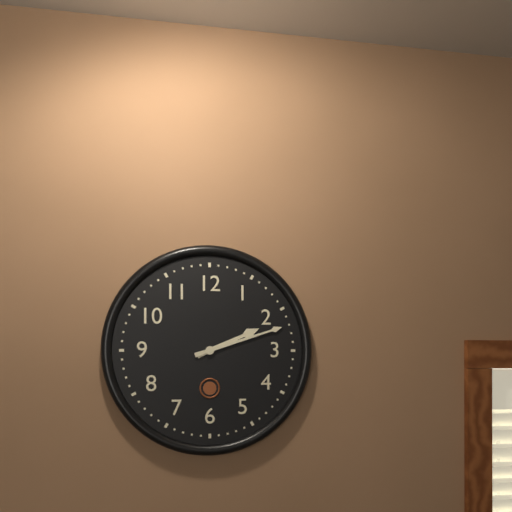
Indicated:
h=2 m=12
